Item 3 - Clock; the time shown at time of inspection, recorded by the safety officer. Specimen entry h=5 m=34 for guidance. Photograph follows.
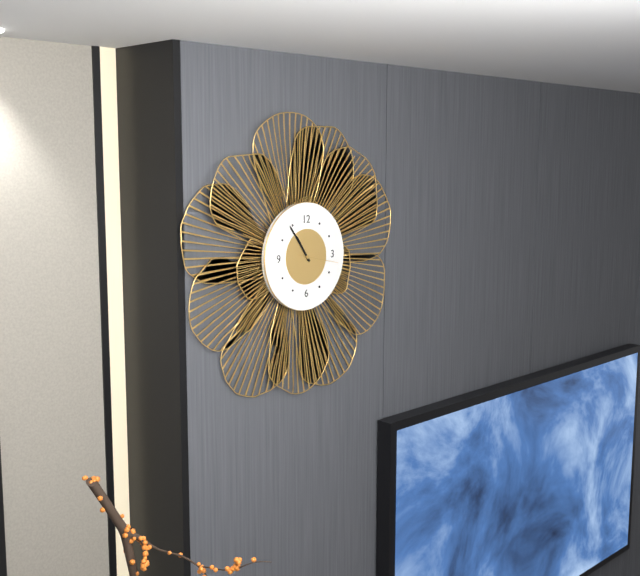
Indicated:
h=10 m=54
